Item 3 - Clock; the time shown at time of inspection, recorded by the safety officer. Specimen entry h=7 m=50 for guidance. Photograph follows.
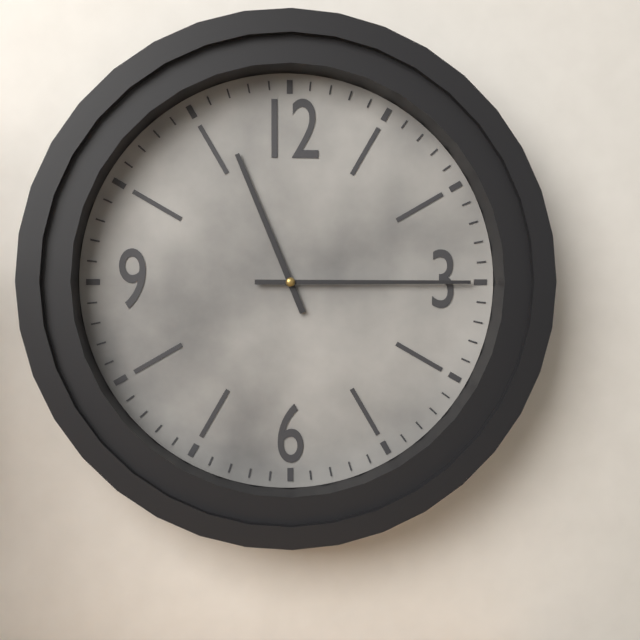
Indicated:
h=11 m=15
